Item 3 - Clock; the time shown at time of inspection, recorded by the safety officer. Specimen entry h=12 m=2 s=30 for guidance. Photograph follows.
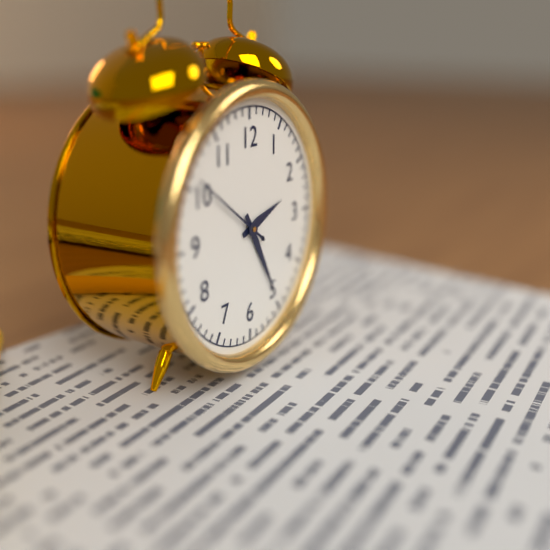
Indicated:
h=2 m=25 s=51
